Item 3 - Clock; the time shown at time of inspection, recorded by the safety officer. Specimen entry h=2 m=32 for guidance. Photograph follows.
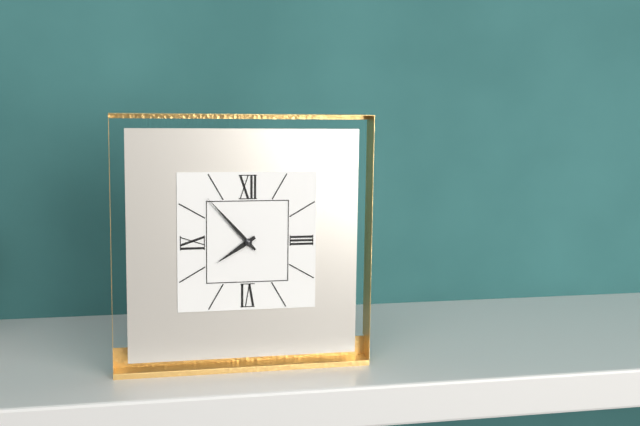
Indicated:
h=7 m=53
